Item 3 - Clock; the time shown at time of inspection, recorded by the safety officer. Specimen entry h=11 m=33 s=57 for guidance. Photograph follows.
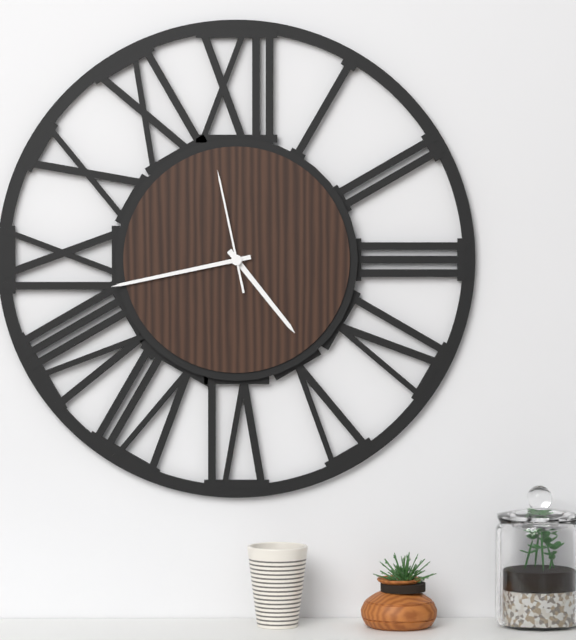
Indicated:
h=4 m=43 s=58
